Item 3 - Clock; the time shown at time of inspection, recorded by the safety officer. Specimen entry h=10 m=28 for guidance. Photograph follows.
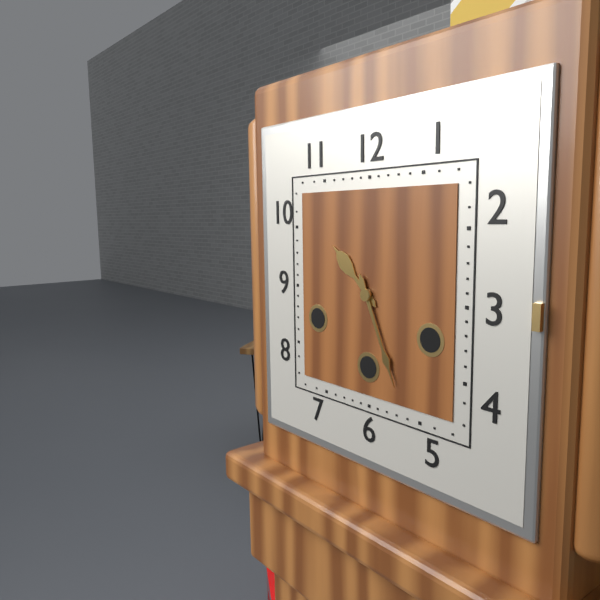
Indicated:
h=10 m=26
